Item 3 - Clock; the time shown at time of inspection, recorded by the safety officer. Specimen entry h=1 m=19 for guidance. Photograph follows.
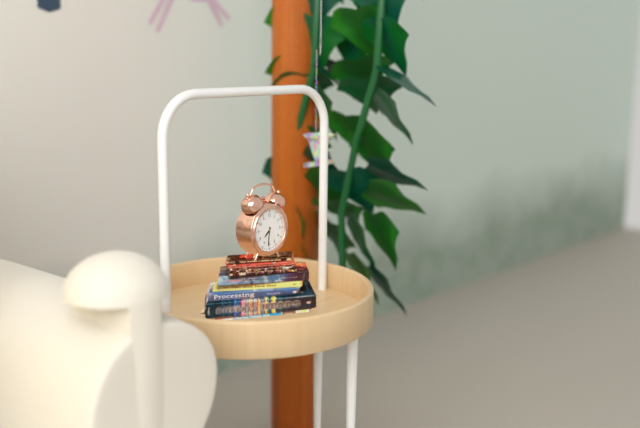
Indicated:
h=7 m=31
